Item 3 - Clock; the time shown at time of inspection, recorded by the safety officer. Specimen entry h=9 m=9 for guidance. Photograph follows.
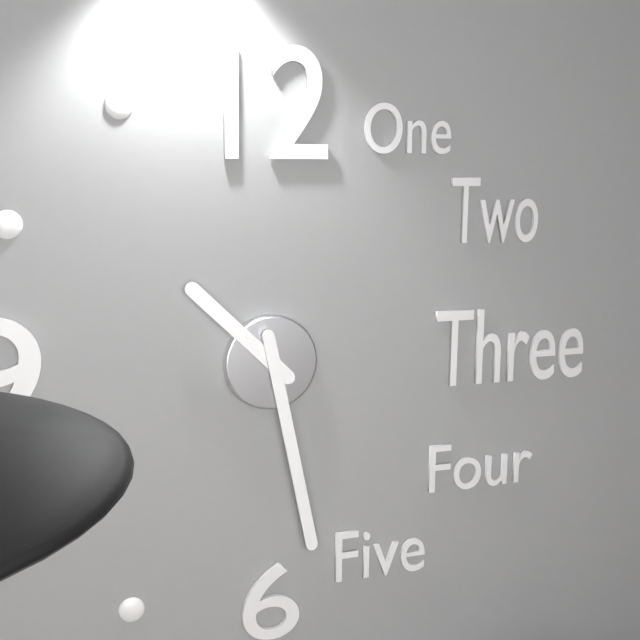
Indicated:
h=10 m=28
